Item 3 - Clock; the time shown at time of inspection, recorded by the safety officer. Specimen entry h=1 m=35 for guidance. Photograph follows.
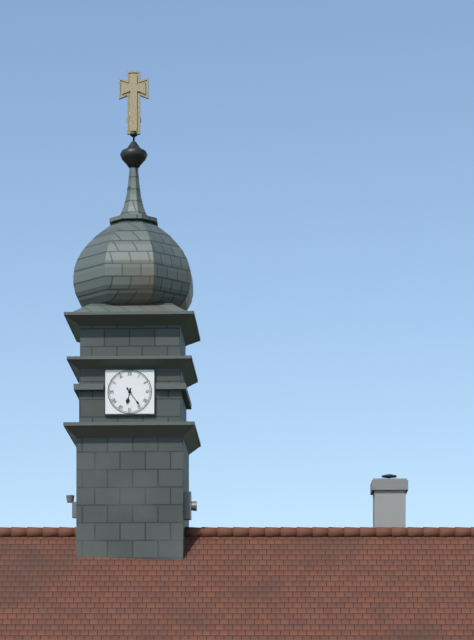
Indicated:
h=6 m=24
